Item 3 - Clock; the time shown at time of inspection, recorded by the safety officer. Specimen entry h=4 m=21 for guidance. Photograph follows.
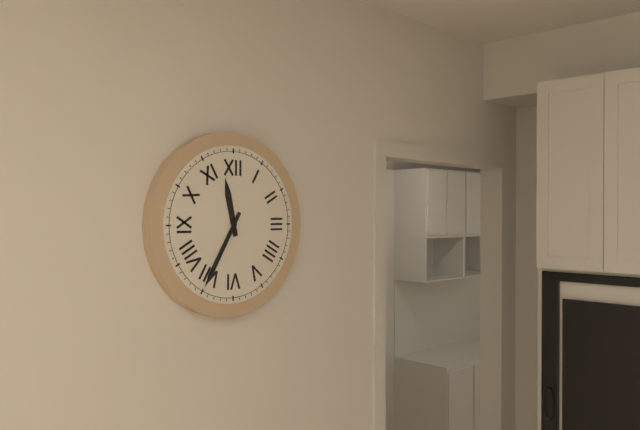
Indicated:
h=11 m=35
